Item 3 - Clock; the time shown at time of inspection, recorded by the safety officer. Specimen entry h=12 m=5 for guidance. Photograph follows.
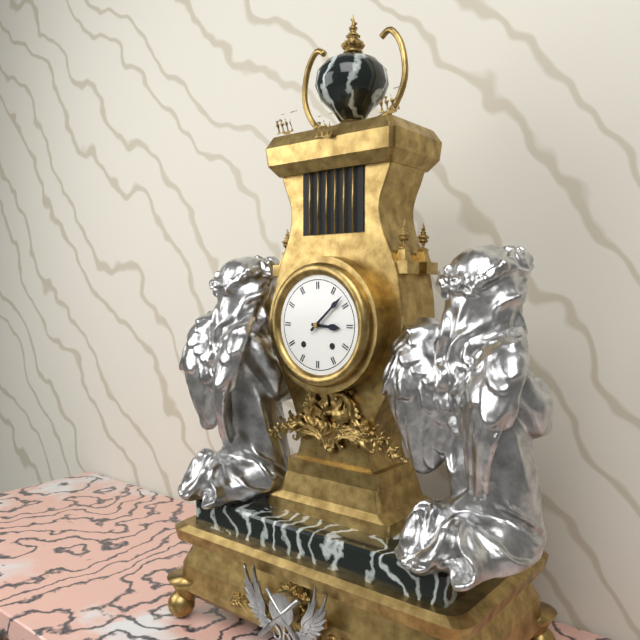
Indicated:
h=3 m=8
